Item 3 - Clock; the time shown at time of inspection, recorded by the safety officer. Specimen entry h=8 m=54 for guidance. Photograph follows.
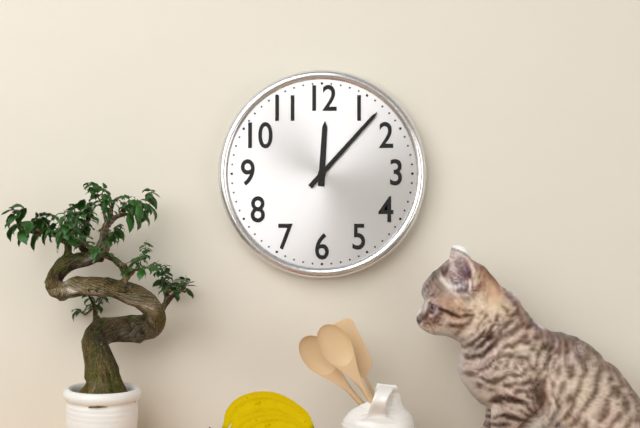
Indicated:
h=12 m=7
